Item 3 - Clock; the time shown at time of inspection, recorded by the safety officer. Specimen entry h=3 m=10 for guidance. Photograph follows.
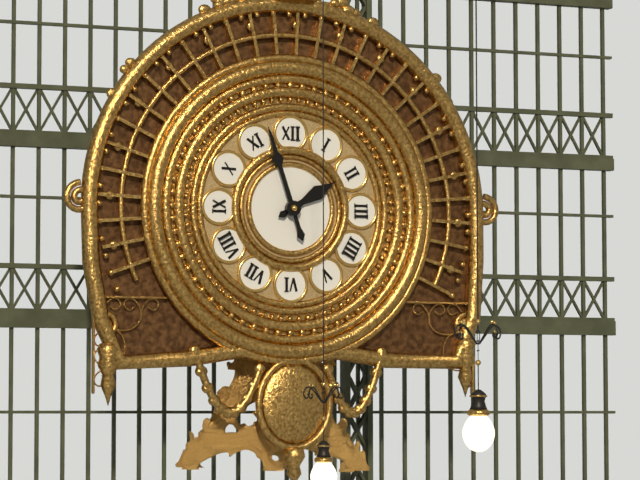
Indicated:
h=1 m=57
